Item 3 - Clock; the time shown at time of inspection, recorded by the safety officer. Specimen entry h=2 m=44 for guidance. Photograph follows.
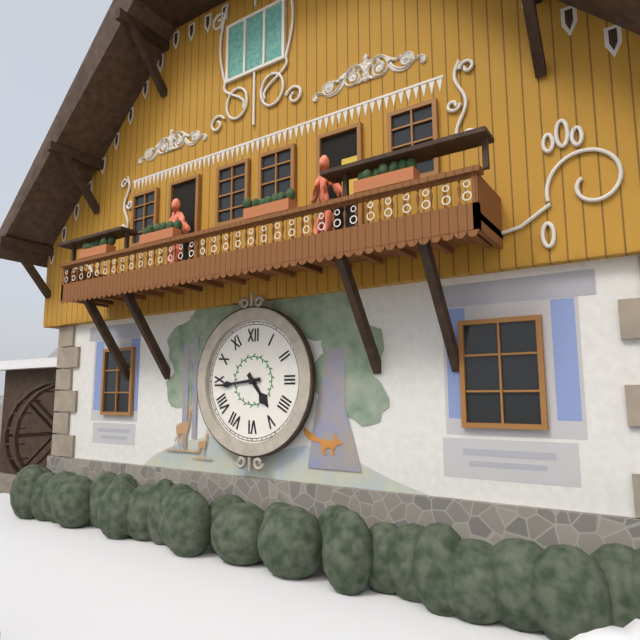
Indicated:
h=4 m=44
